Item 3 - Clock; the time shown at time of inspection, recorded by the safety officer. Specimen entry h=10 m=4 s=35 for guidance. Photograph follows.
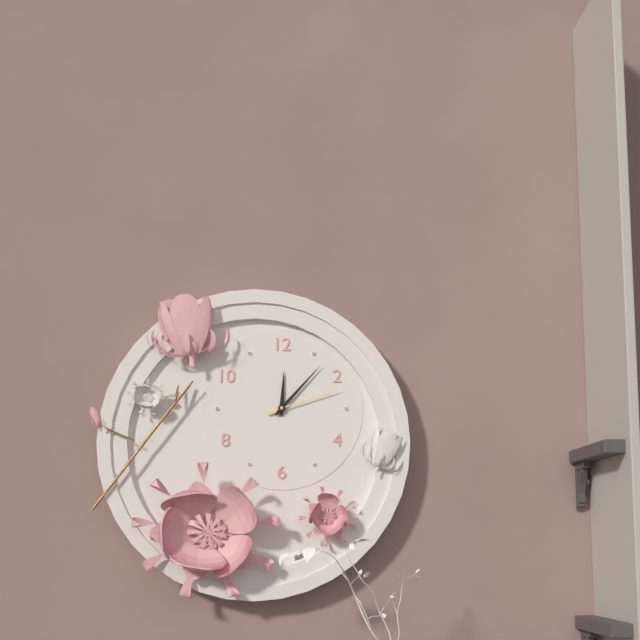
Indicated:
h=12 m=7 s=12
